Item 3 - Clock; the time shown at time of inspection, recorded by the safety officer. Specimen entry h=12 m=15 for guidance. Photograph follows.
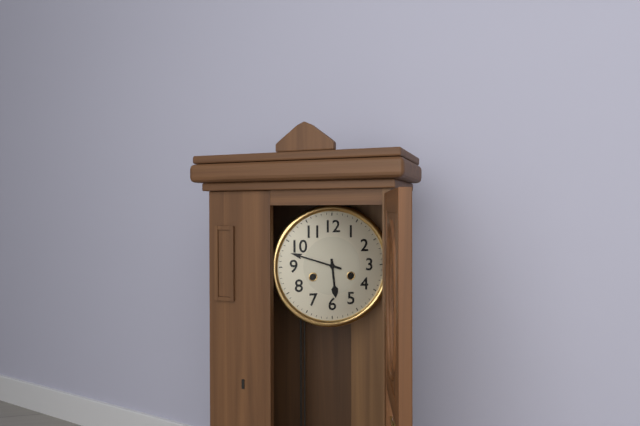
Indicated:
h=5 m=48
